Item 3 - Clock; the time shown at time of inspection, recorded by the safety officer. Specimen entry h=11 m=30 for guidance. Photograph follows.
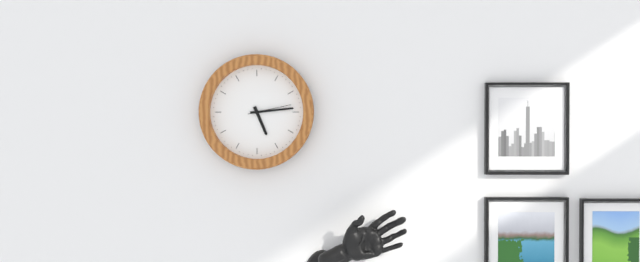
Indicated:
h=5 m=14
